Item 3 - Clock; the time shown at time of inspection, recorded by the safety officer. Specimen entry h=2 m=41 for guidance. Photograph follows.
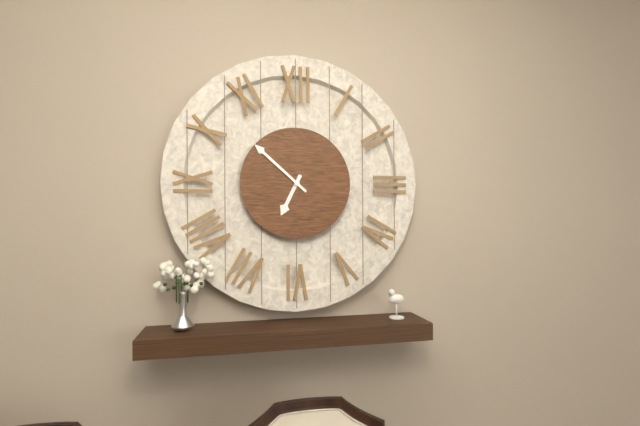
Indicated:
h=6 m=52
